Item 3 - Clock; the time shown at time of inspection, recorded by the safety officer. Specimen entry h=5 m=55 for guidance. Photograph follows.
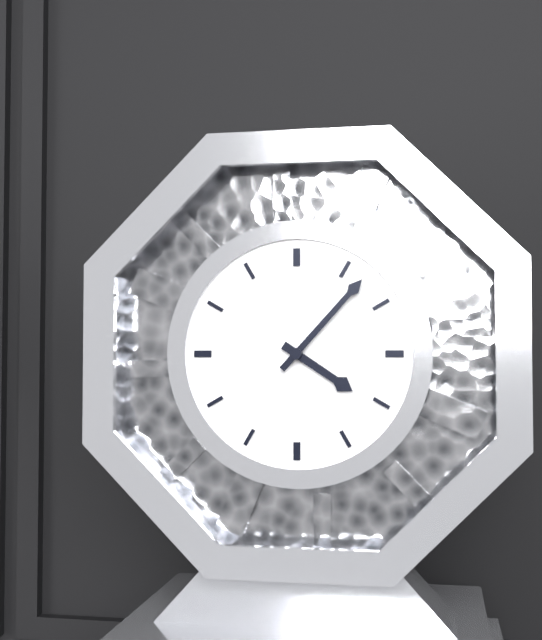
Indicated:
h=4 m=7
